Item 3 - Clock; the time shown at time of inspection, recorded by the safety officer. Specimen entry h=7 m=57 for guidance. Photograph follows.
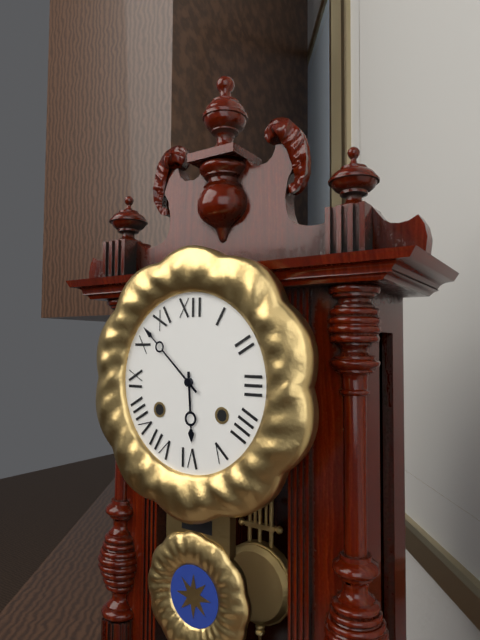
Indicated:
h=5 m=52
